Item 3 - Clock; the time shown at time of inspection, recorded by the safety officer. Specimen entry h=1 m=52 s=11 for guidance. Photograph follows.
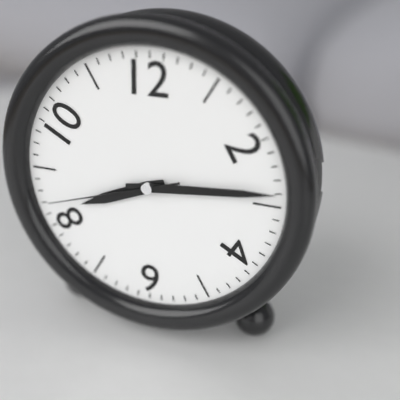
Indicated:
h=8 m=14 s=42
